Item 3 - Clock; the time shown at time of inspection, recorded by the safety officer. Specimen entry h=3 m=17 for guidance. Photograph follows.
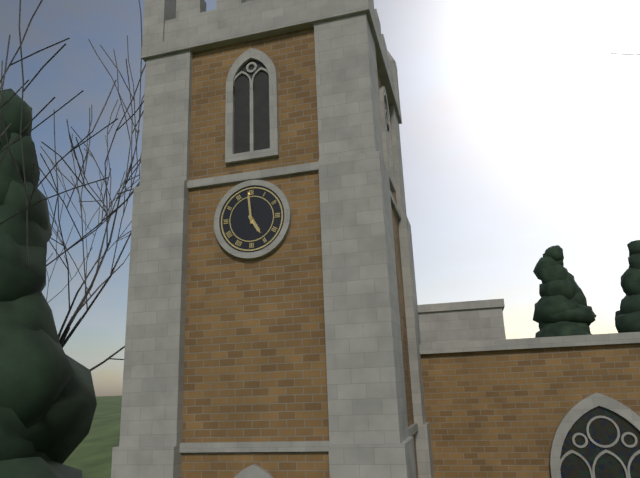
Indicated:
h=4 m=59
